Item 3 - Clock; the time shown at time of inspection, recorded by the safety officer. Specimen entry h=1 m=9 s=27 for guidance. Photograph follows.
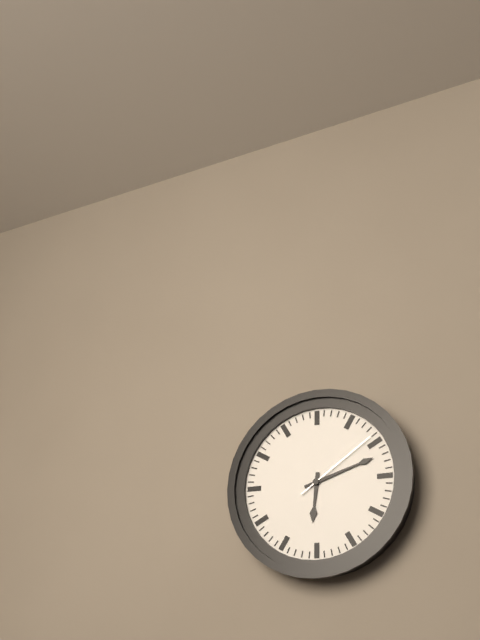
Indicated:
h=6 m=12 s=9
